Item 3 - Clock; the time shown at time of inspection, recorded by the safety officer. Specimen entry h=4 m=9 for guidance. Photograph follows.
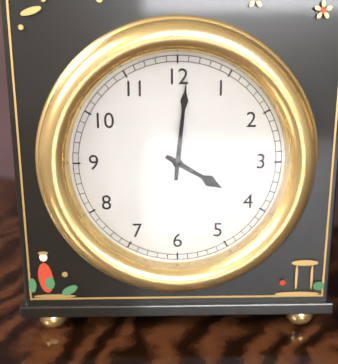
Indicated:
h=4 m=1
